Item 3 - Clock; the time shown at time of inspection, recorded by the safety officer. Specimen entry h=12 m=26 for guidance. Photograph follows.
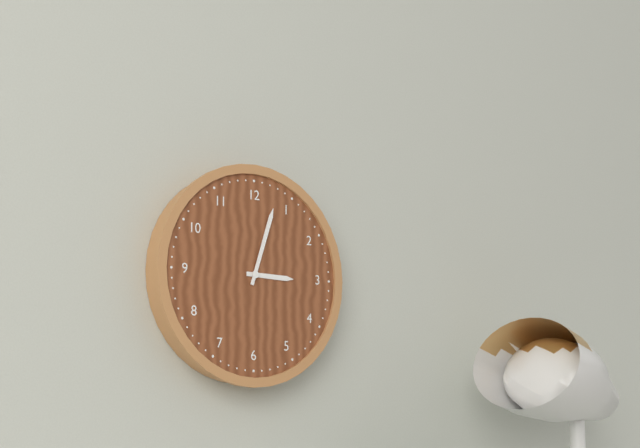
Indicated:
h=3 m=3
